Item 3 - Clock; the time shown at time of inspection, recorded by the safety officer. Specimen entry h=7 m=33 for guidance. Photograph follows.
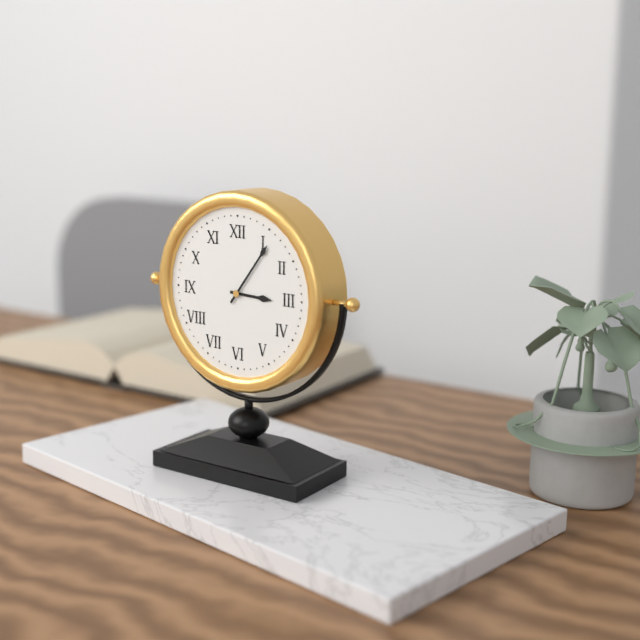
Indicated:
h=3 m=6
